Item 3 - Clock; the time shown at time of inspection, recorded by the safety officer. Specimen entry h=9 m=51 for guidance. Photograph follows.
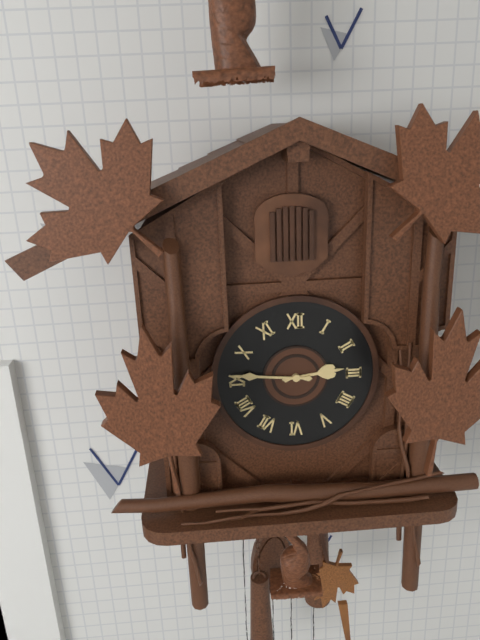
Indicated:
h=2 m=46
